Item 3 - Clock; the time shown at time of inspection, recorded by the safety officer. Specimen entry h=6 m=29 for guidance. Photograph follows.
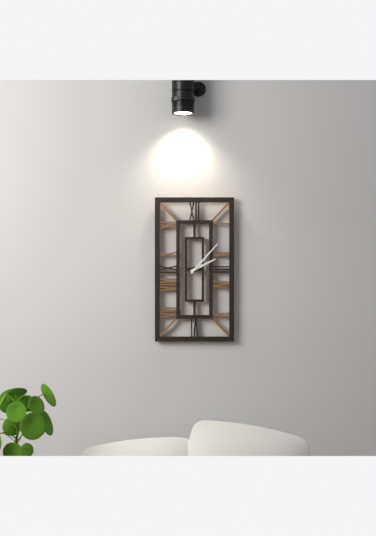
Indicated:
h=2 m=7
